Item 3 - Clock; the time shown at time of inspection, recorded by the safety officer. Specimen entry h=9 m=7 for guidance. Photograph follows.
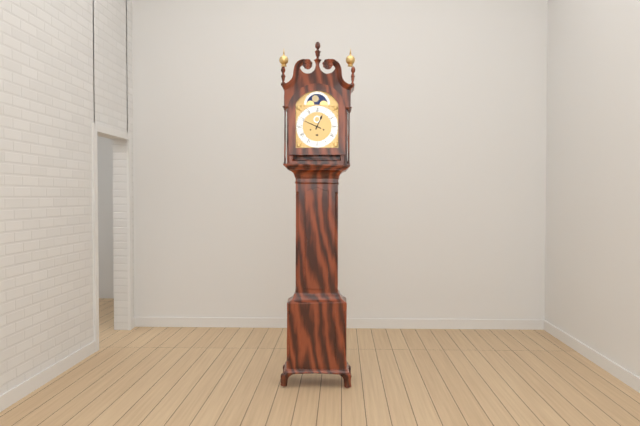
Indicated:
h=12 m=49
